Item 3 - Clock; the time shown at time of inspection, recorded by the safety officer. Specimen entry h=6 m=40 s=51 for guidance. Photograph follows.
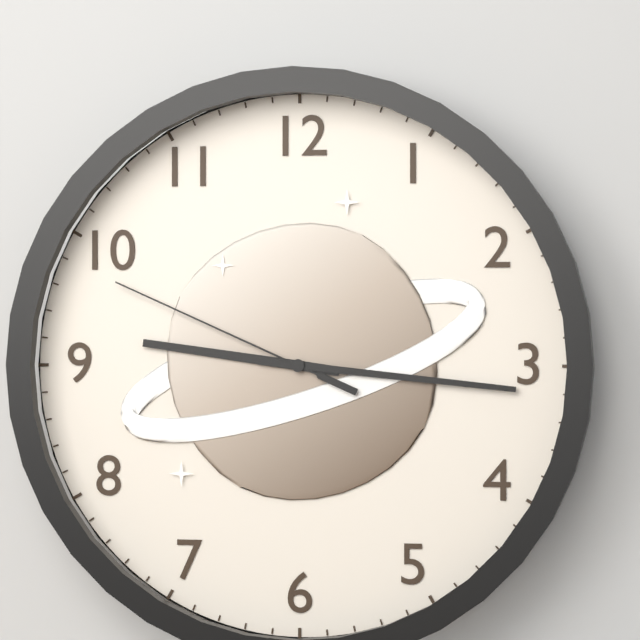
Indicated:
h=9 m=16 s=49
